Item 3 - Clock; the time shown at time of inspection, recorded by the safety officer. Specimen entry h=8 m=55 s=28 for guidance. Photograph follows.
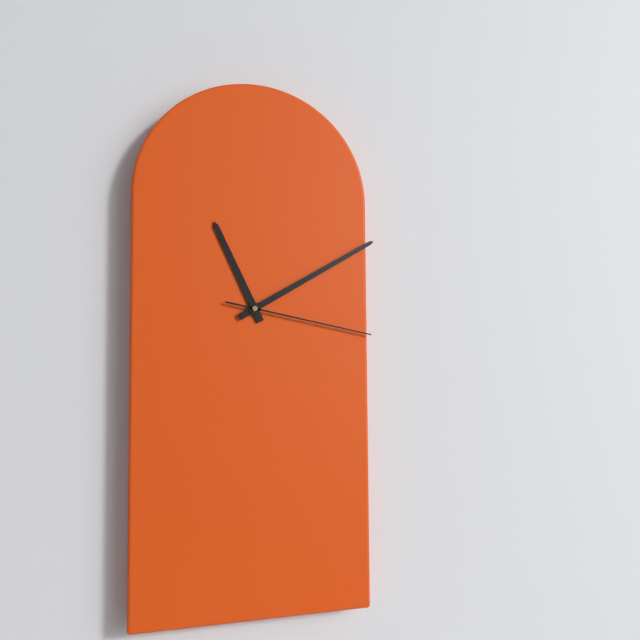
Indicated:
h=11 m=10 s=17
